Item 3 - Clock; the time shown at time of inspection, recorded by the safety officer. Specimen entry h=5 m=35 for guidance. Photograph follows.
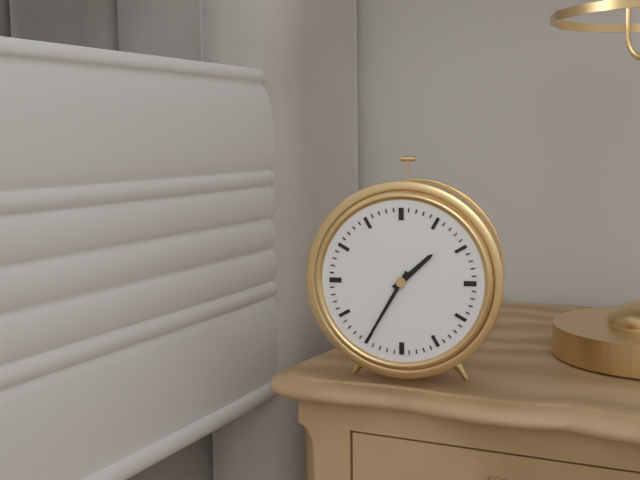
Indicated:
h=1 m=35
